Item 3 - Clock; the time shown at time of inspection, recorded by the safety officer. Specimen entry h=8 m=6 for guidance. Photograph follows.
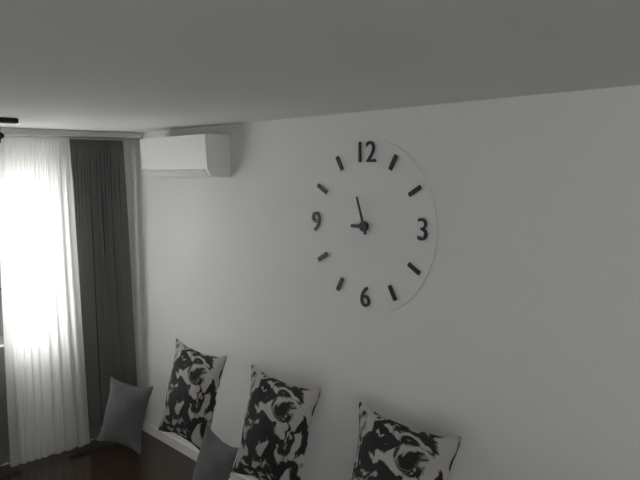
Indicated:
h=8 m=57
